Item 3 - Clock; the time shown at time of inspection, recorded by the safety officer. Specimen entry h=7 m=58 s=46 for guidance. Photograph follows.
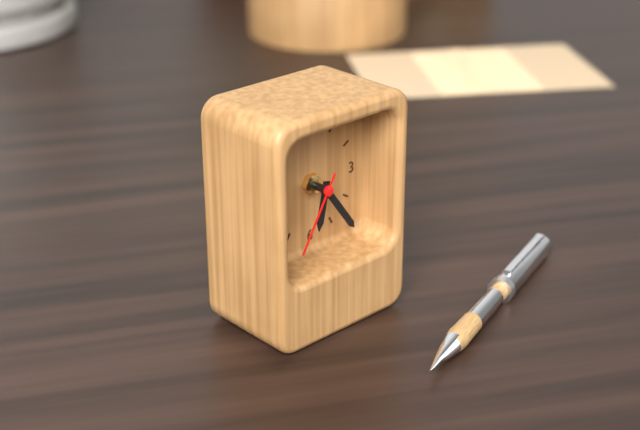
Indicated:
h=6 m=24 s=35
